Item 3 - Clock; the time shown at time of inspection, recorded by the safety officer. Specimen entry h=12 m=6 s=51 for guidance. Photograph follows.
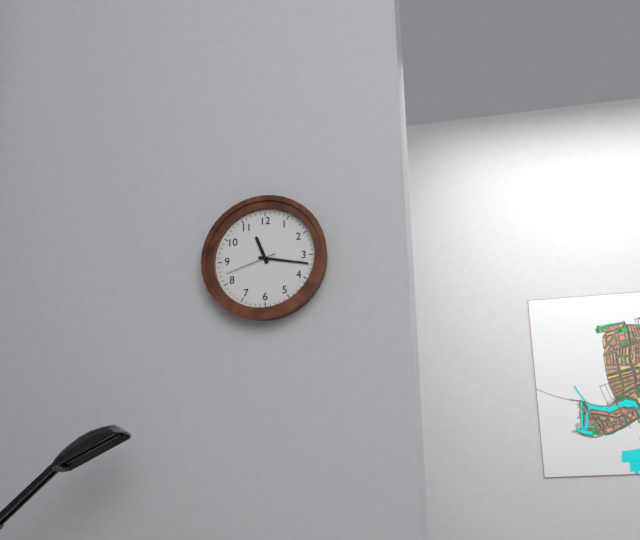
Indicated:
h=11 m=17 s=42
